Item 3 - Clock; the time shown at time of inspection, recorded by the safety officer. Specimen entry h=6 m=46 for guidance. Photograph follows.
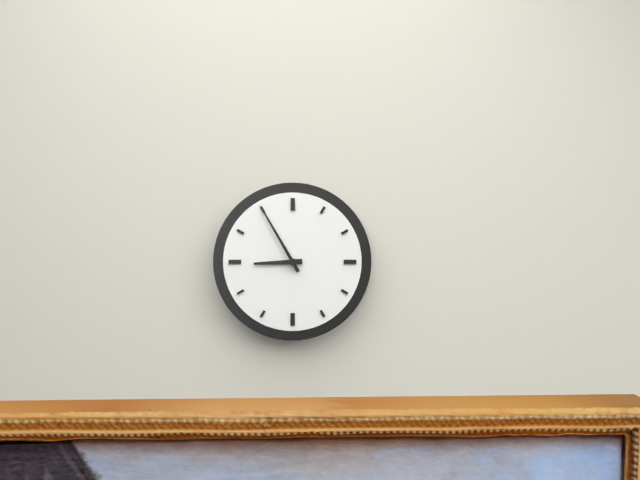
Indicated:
h=8 m=55
